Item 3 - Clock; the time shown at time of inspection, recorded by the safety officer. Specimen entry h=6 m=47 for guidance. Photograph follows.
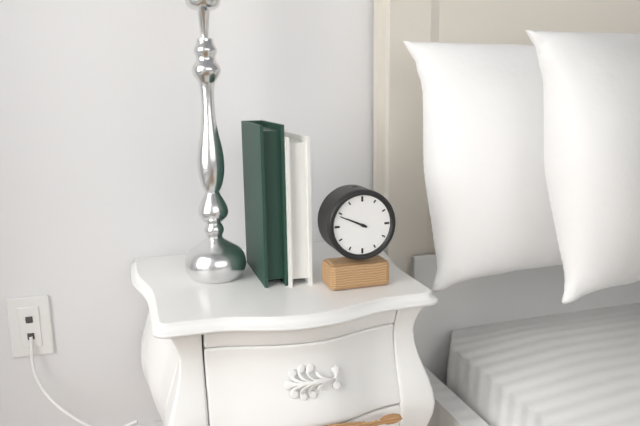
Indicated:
h=9 m=49
